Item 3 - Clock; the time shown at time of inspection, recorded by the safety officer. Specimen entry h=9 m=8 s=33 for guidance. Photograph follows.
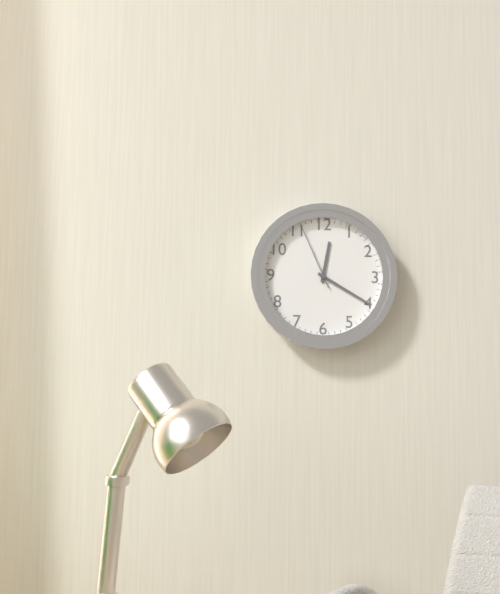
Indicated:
h=12 m=20 s=56
